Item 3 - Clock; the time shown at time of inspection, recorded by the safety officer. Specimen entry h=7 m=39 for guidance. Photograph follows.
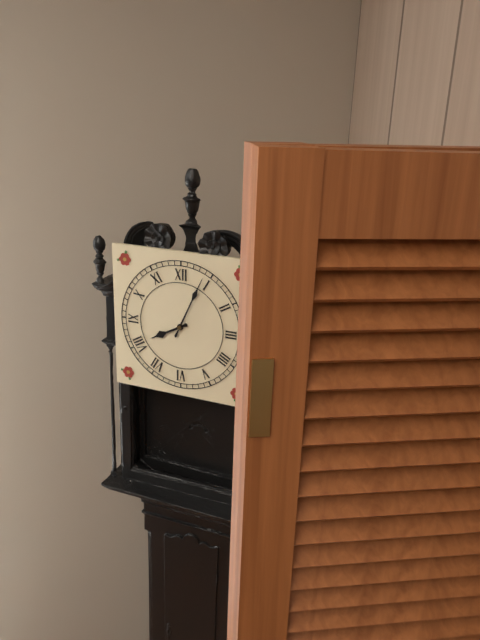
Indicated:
h=8 m=4
